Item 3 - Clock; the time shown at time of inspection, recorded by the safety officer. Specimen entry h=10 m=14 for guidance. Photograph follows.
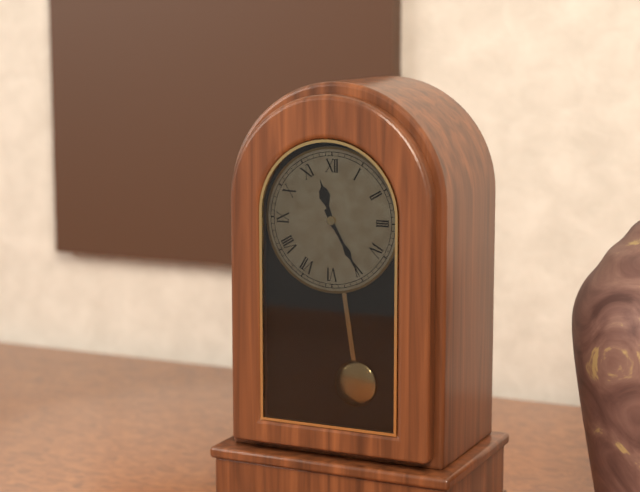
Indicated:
h=11 m=25
